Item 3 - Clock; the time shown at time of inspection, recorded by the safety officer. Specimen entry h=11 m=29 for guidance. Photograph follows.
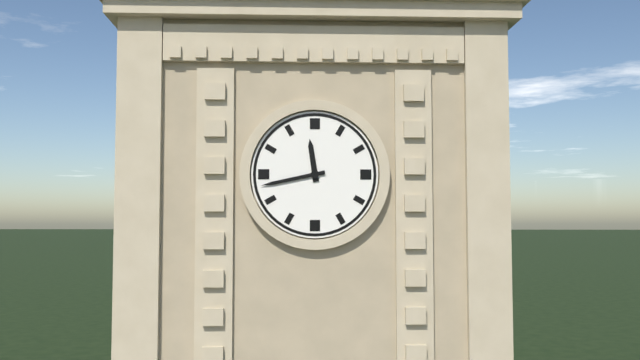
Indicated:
h=11 m=43
